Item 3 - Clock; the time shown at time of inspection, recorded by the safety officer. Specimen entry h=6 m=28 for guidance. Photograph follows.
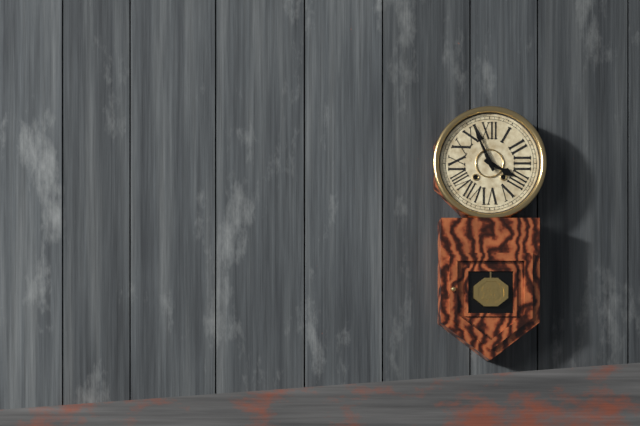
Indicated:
h=3 m=56
